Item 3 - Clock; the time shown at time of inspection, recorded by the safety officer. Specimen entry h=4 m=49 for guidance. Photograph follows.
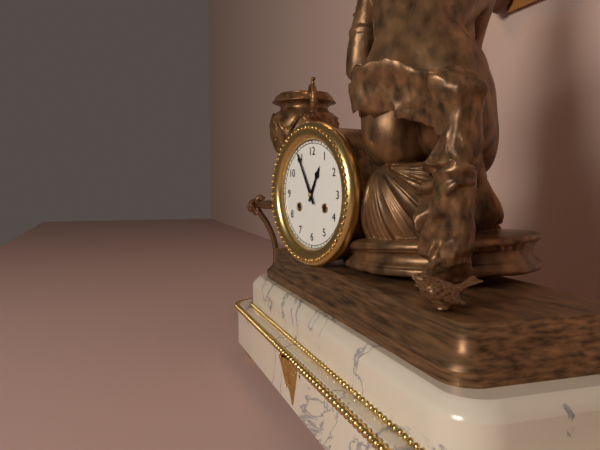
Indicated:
h=12 m=55
